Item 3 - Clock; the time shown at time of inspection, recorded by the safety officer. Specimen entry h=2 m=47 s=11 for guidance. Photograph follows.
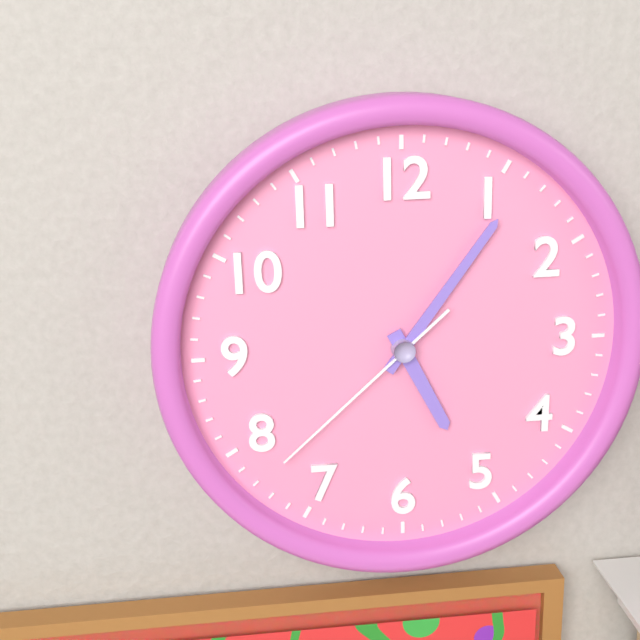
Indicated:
h=5 m=6 s=38
